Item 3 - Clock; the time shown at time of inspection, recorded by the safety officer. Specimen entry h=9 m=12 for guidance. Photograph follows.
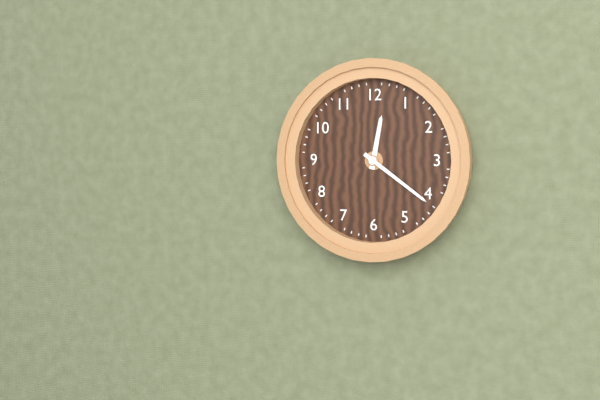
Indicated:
h=12 m=21
